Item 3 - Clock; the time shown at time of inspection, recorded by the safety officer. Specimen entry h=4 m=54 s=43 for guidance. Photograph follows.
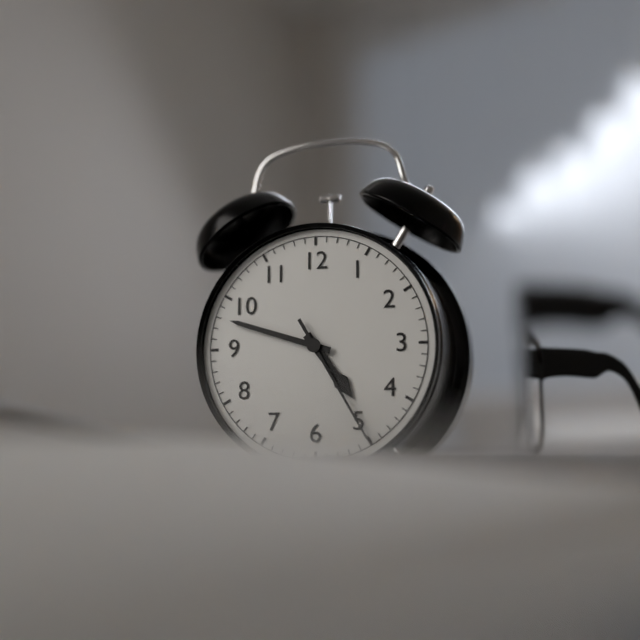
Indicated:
h=4 m=48 s=25
